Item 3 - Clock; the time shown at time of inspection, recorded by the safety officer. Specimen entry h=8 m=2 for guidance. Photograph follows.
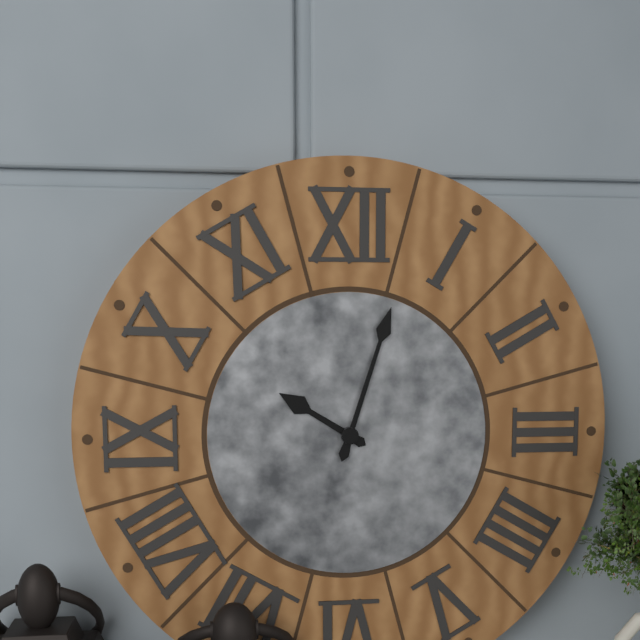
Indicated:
h=10 m=3
